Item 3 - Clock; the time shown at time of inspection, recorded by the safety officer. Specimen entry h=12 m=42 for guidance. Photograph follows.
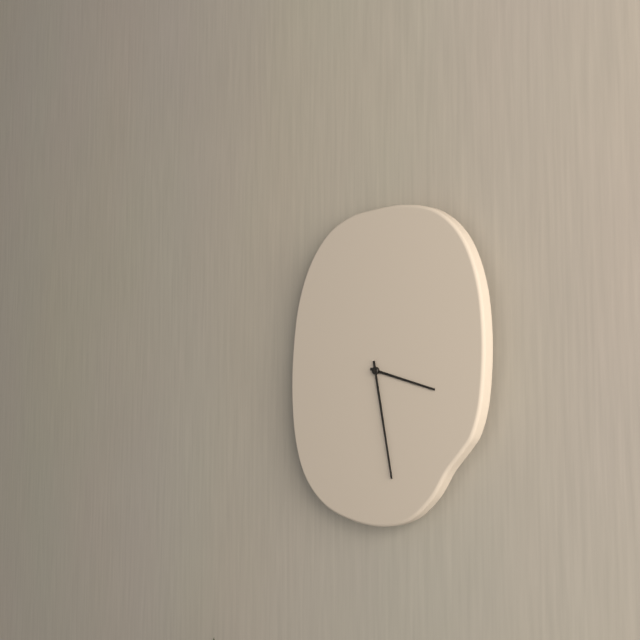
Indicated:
h=3 m=28
